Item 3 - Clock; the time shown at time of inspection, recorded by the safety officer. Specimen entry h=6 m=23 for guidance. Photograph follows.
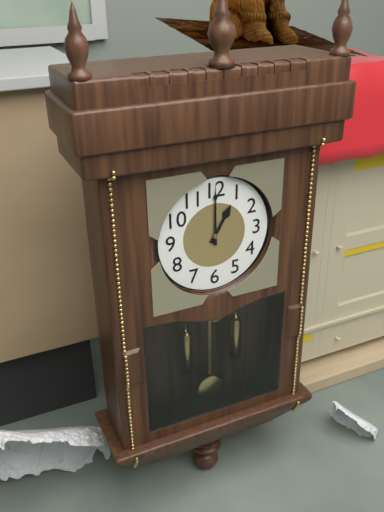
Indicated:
h=1 m=0
